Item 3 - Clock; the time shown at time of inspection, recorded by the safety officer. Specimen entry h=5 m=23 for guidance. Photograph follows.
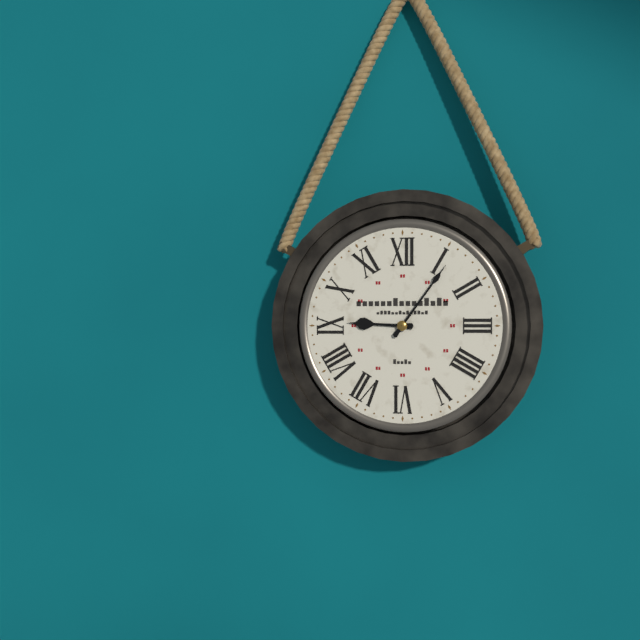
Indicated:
h=9 m=6
